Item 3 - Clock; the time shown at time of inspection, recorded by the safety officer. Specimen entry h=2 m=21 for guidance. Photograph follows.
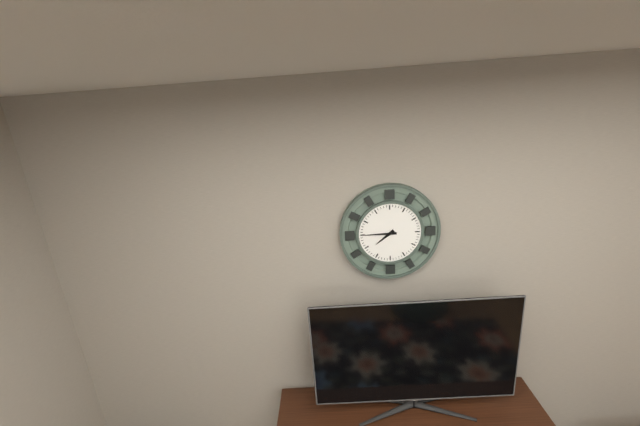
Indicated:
h=7 m=45
